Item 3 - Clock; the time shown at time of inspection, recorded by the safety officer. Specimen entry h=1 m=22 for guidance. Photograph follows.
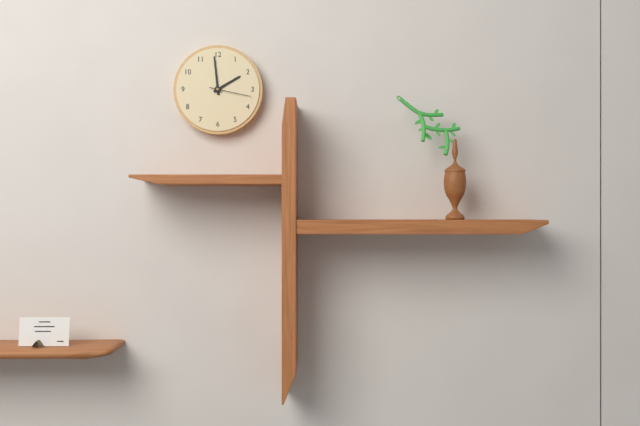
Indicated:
h=1 m=59
